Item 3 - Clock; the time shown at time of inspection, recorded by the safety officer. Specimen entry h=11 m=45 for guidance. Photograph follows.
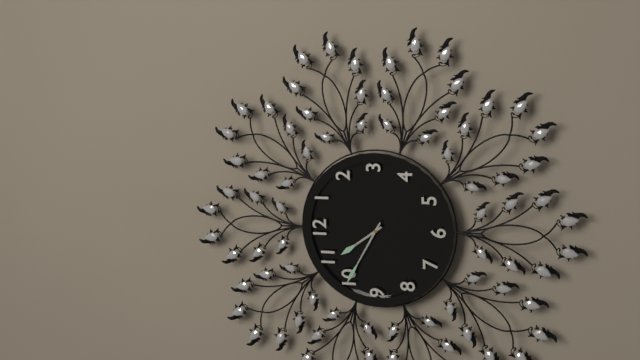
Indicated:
h=10 m=50
